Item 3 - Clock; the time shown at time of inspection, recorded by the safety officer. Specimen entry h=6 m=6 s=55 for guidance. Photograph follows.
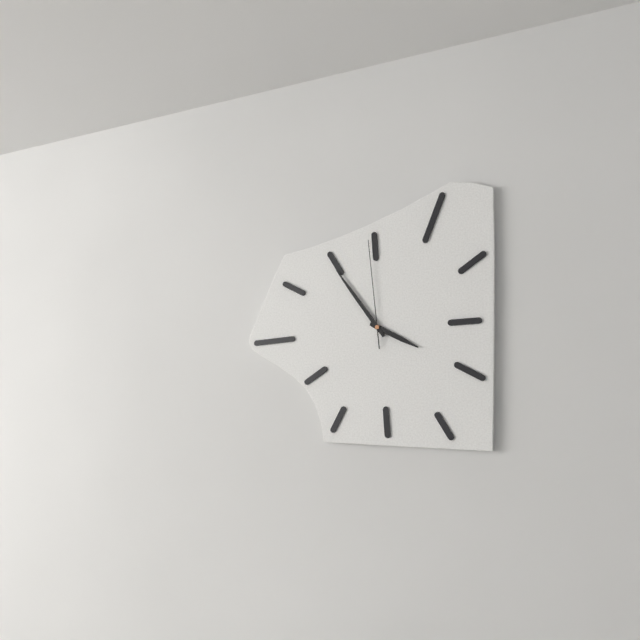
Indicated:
h=3 m=54 s=59
